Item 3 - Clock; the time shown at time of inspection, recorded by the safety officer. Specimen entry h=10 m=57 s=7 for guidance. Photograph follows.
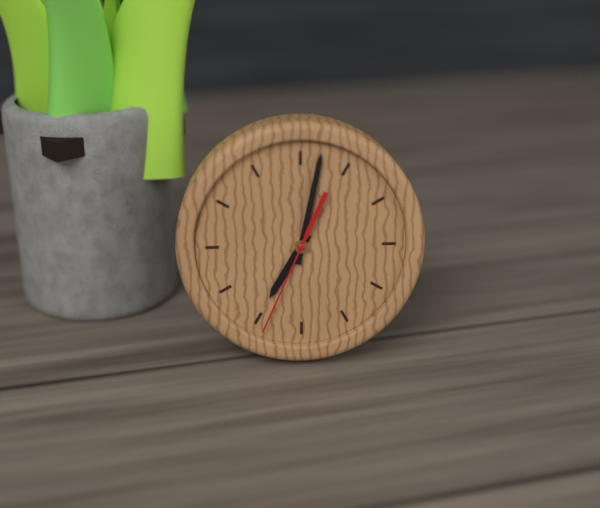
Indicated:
h=7 m=2 s=34
